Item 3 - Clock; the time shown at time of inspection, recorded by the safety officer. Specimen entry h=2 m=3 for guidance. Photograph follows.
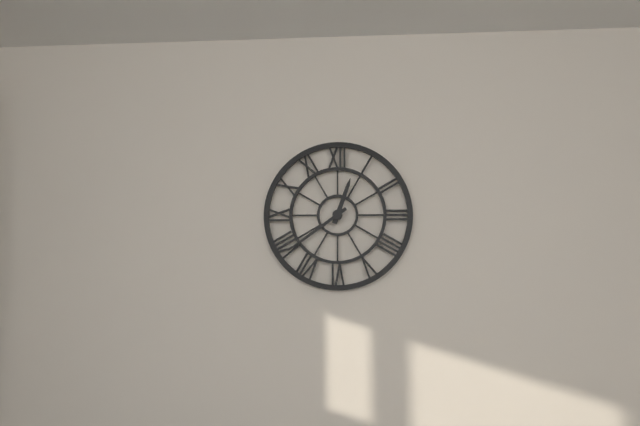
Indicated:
h=12 m=39
